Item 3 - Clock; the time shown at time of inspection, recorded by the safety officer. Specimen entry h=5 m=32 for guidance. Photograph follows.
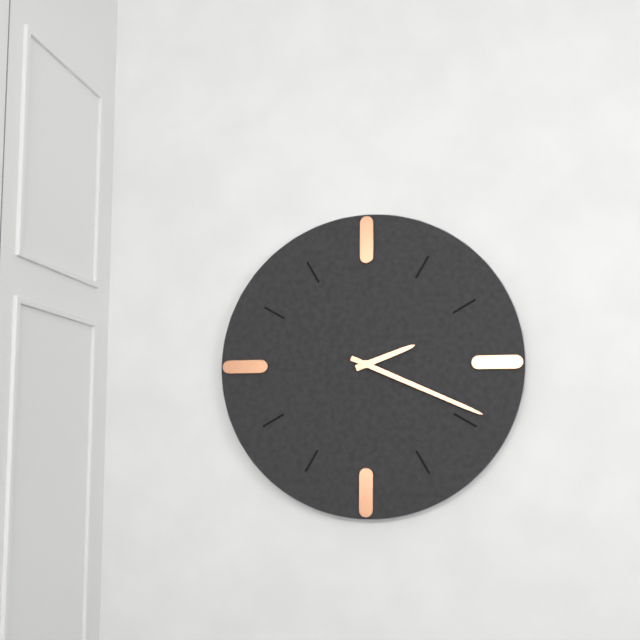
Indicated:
h=2 m=19
